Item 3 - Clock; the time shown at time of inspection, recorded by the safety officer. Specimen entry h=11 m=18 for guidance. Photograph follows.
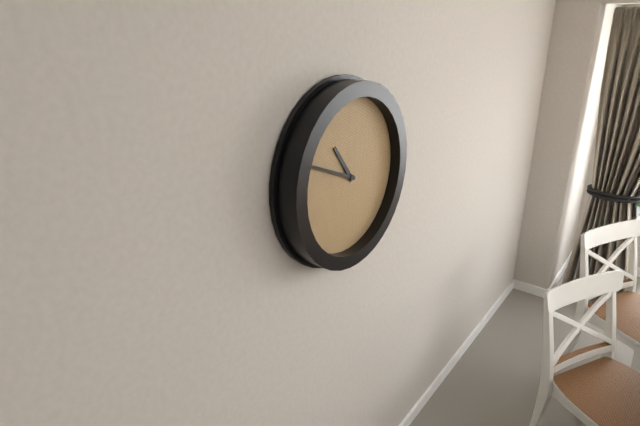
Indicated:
h=10 m=49
